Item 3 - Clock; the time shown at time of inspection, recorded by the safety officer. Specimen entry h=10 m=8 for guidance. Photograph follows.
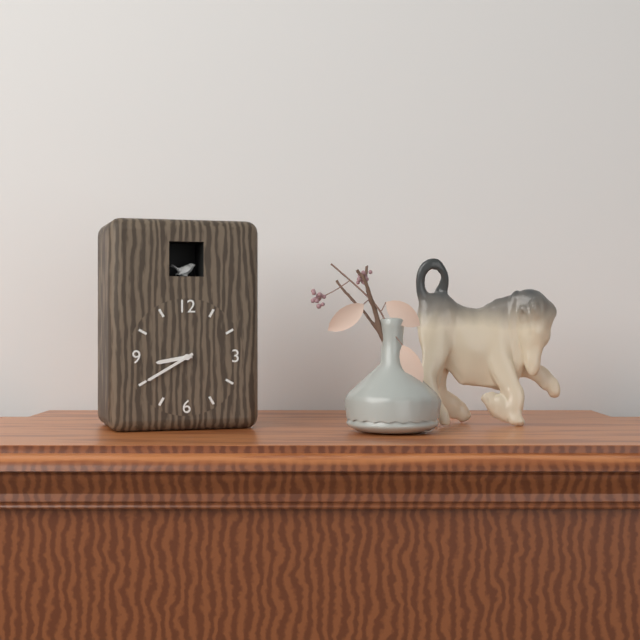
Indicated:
h=8 m=40
